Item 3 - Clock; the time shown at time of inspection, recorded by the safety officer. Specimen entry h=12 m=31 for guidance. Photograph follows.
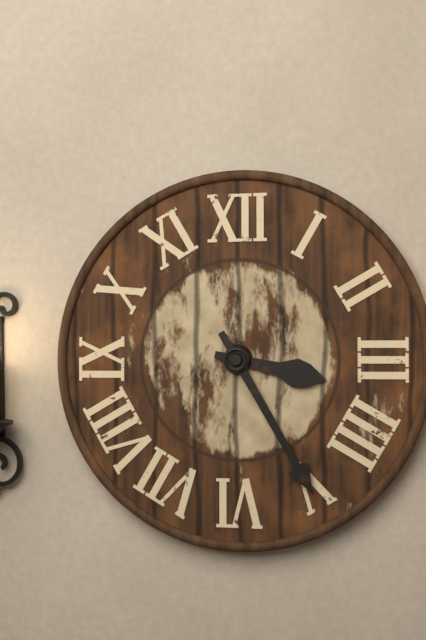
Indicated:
h=3 m=25
